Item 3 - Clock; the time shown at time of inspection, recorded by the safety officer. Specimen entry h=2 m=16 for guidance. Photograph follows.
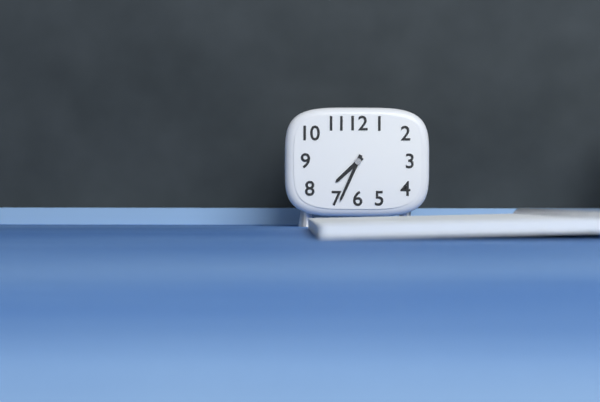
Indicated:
h=7 m=34
